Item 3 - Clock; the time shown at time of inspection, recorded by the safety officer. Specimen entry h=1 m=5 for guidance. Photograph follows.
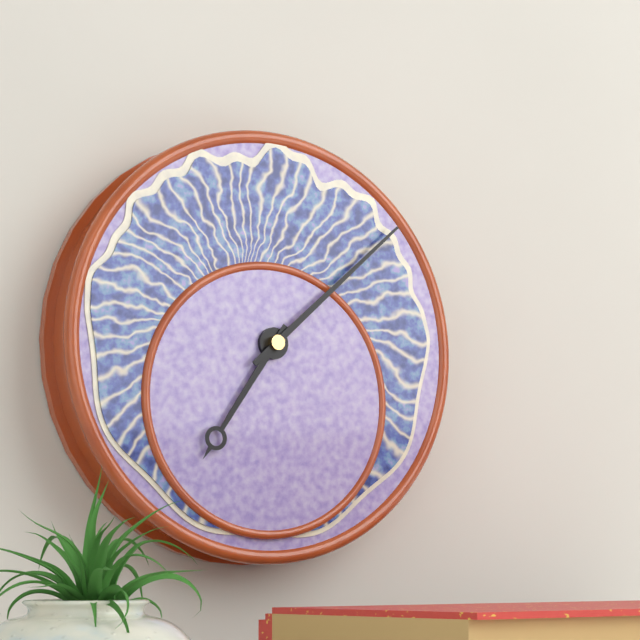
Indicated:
h=7 m=8
